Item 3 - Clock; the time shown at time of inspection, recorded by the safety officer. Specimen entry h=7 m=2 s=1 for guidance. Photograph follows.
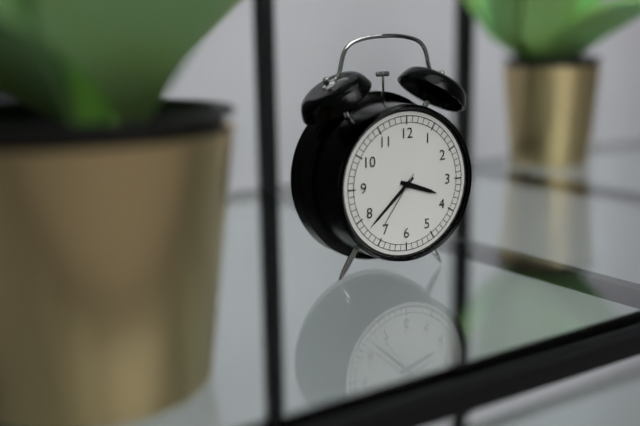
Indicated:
h=3 m=38 s=36
